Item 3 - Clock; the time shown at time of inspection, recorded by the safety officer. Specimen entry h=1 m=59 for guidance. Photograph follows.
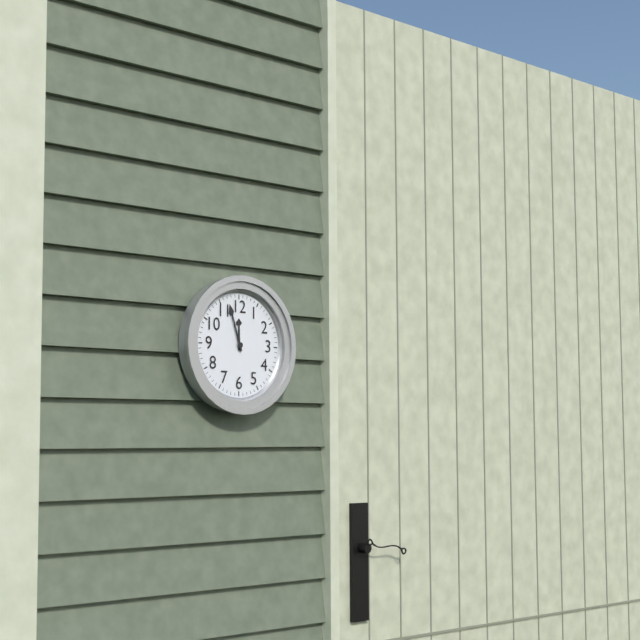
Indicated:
h=11 m=57
